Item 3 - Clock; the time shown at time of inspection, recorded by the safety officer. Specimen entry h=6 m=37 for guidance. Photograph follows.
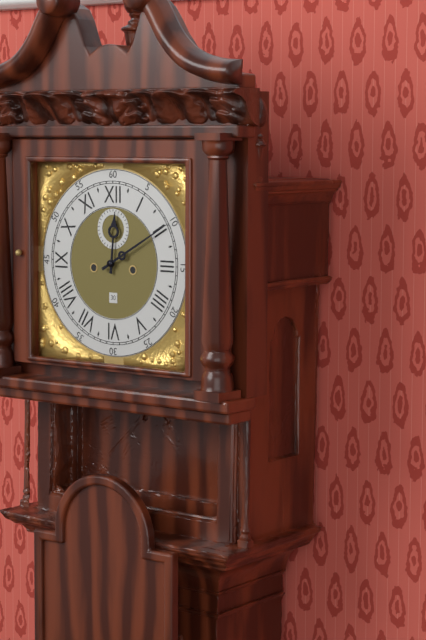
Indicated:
h=12 m=10
